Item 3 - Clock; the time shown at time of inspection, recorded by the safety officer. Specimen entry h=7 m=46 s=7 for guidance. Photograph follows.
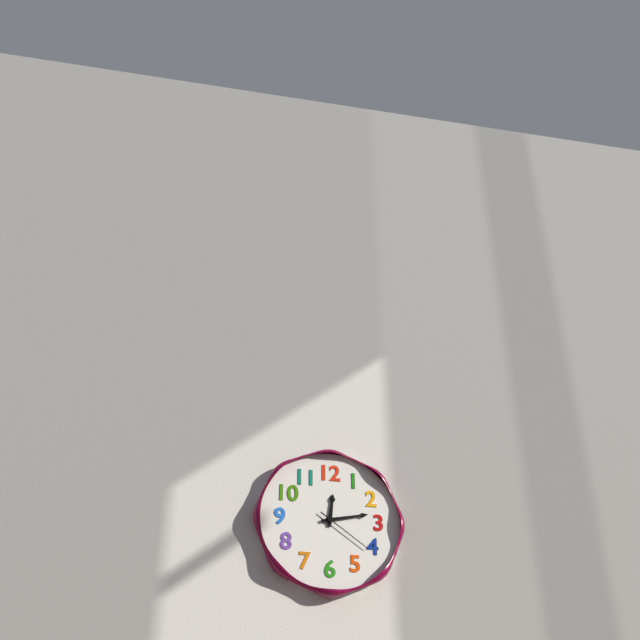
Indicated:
h=12 m=13 s=21
